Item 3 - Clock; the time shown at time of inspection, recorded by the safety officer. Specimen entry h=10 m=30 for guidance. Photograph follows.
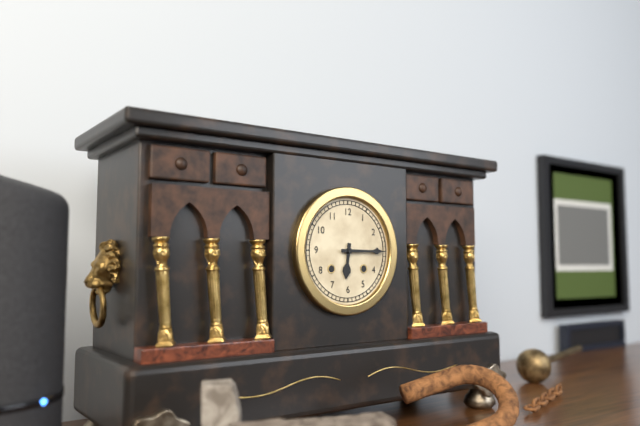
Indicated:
h=6 m=15
